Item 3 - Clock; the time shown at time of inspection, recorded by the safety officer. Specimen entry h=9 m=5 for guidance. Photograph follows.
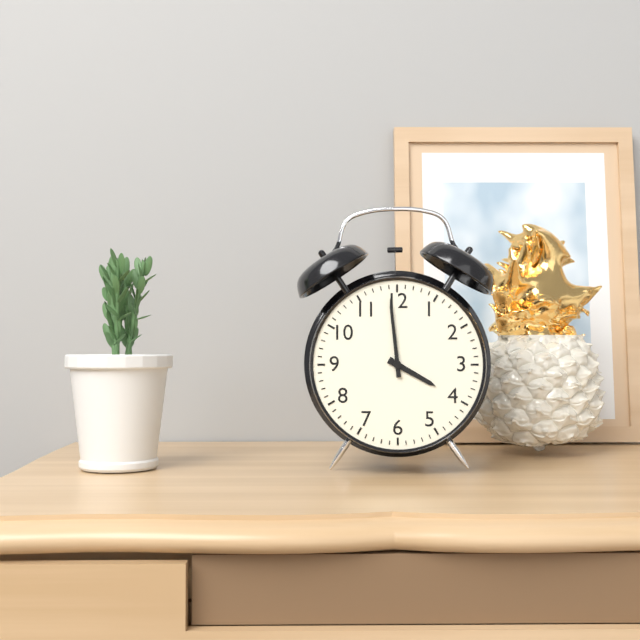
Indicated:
h=3 m=59
